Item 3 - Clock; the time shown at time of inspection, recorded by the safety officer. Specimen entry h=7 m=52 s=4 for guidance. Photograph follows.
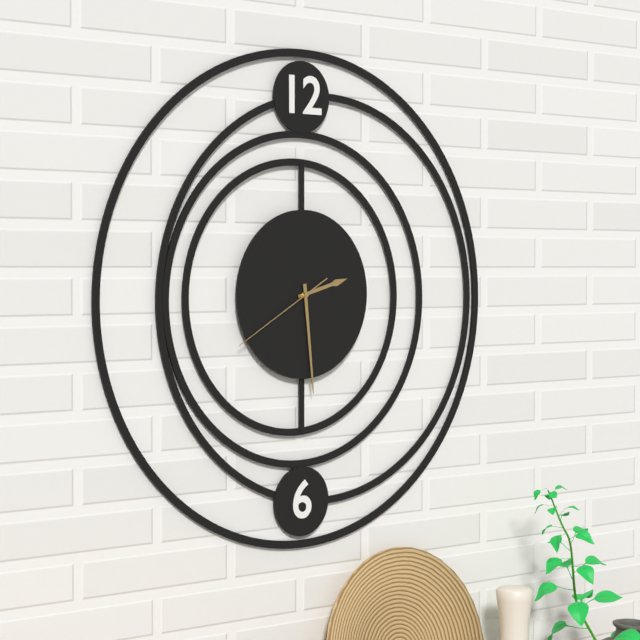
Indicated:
h=2 m=29 s=40
